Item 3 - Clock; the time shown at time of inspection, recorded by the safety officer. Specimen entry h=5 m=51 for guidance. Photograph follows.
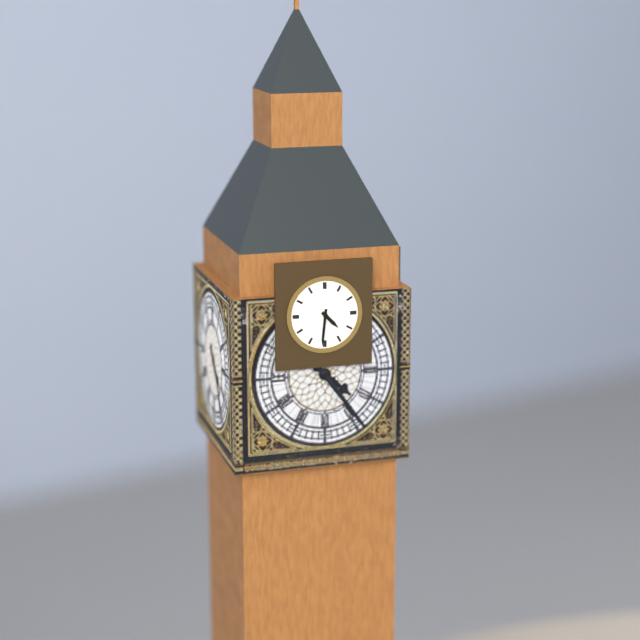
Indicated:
h=4 m=31
